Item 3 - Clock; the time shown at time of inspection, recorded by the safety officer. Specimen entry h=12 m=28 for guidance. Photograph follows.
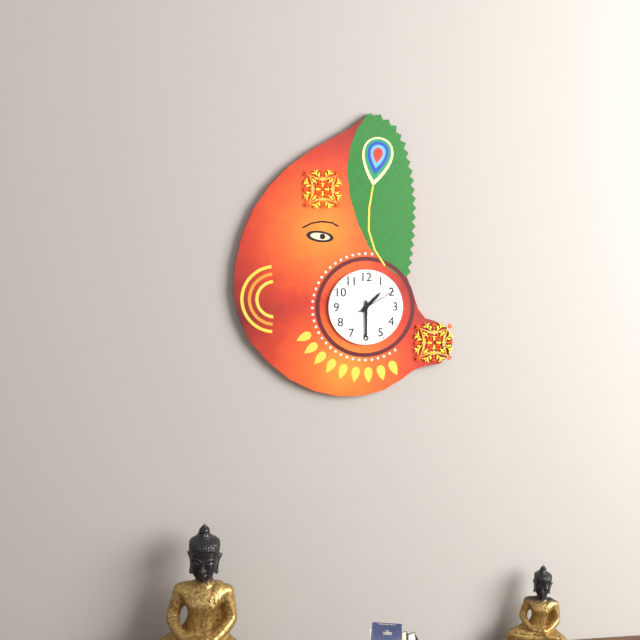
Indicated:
h=1 m=30
